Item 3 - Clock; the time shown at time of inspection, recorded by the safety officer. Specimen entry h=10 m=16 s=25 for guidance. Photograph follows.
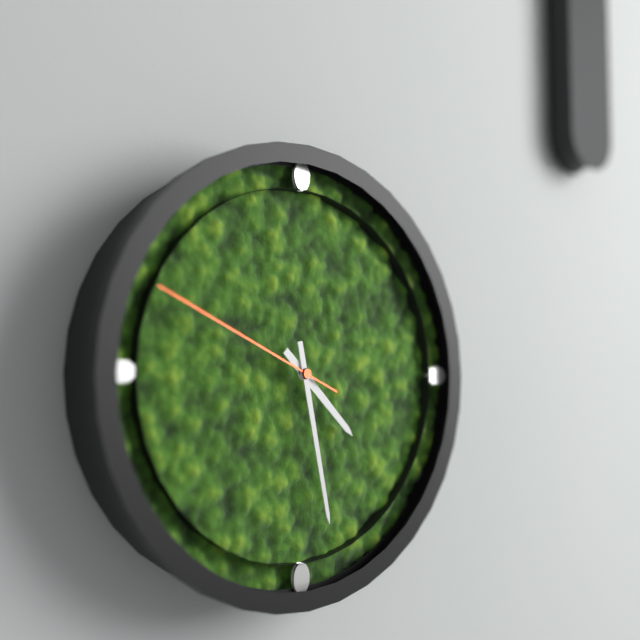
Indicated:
h=4 m=28 s=49
